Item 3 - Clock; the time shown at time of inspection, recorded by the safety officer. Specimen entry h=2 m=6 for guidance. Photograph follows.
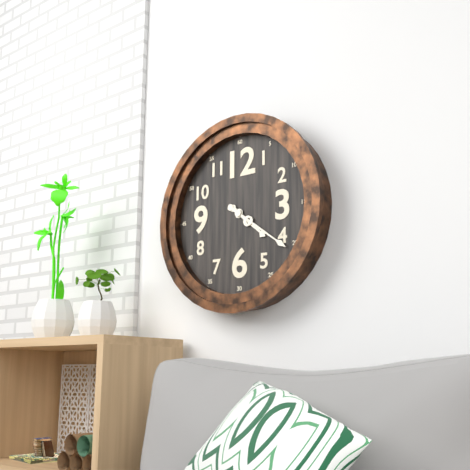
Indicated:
h=4 m=21
